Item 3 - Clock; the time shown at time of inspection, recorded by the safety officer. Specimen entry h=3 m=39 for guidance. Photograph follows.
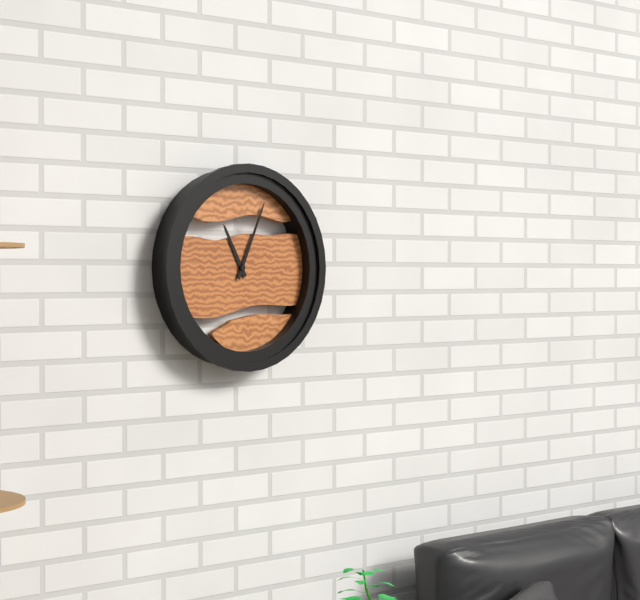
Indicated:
h=11 m=4
